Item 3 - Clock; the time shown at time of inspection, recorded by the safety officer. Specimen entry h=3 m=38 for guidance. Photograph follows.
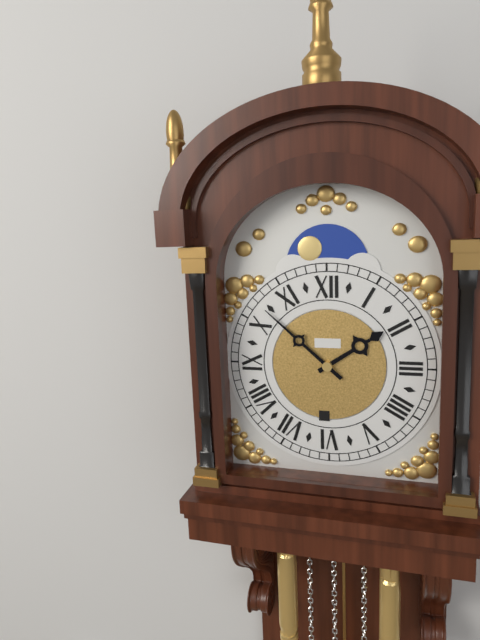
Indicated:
h=1 m=52
